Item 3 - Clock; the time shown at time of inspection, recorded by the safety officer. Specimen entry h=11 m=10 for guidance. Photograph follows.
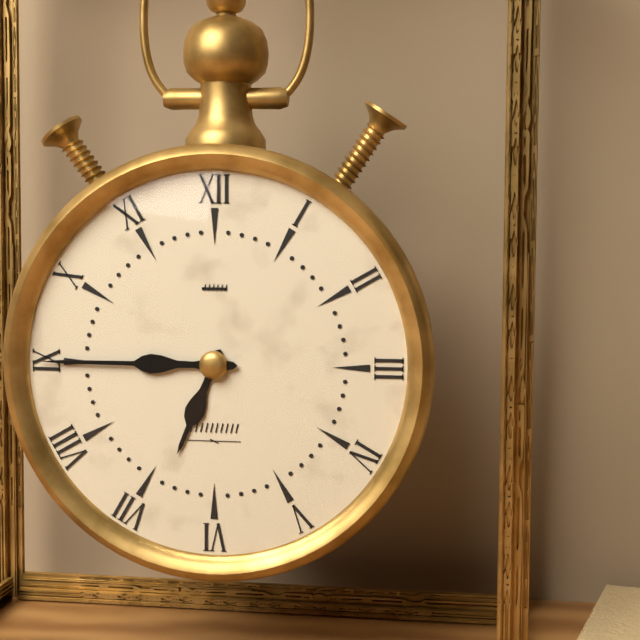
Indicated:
h=6 m=45
